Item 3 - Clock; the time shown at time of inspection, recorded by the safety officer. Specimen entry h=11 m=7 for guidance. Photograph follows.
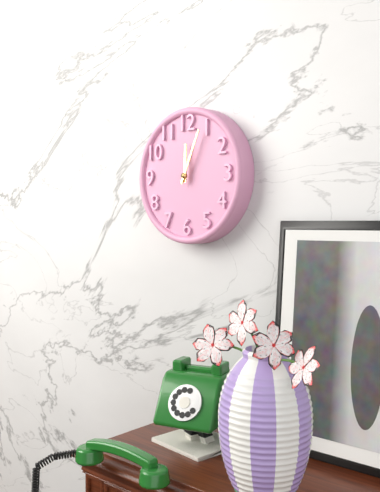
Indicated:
h=12 m=4
